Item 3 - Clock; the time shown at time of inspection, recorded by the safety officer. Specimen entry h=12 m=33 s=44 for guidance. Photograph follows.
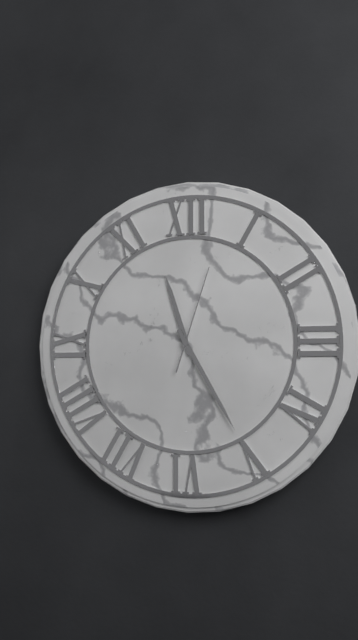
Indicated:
h=11 m=25 s=3
